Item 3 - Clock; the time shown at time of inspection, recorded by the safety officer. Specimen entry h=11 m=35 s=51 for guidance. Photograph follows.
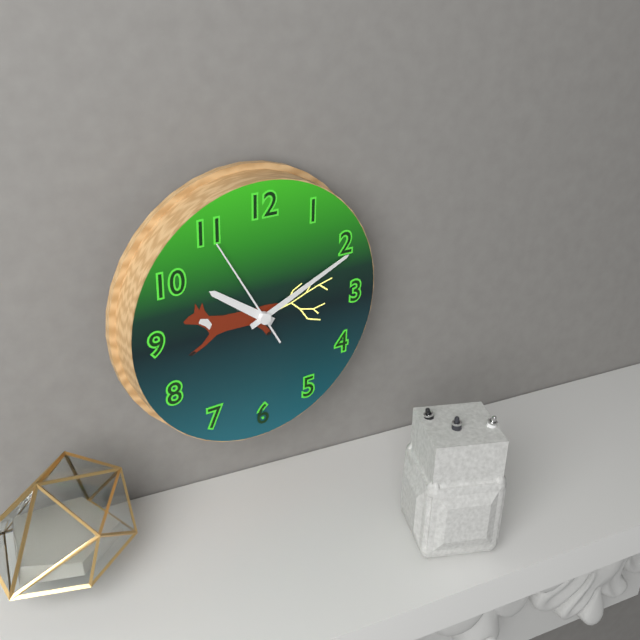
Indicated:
h=10 m=11 s=55
